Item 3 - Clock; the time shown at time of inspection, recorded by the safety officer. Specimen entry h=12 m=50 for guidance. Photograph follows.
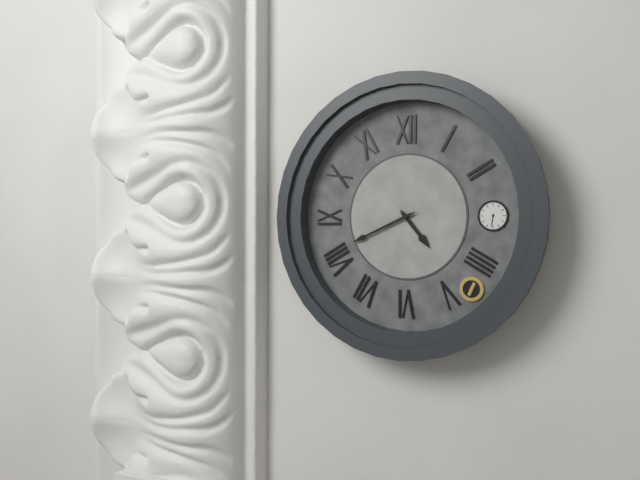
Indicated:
h=4 m=41
